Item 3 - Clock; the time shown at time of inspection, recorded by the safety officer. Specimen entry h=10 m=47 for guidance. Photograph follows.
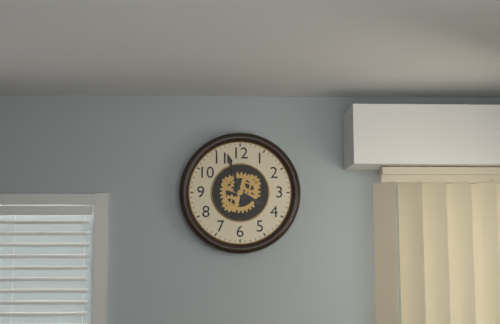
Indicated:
h=3 m=57
